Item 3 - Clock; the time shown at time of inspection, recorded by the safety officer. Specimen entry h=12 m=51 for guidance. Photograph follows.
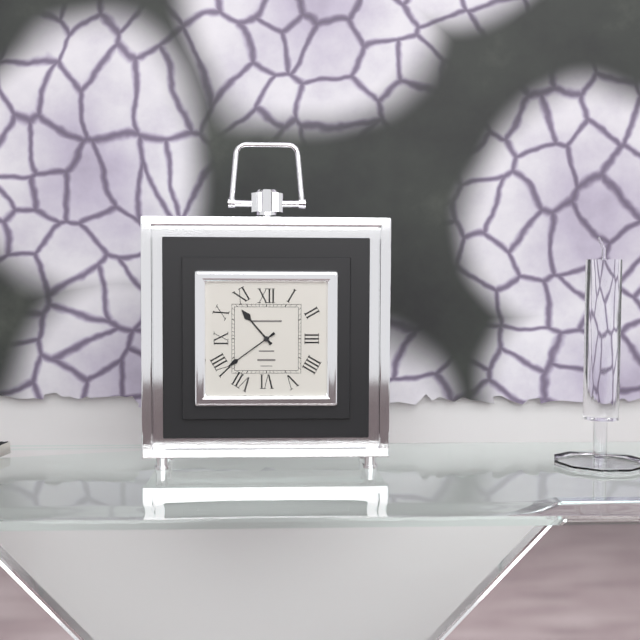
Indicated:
h=10 m=39
